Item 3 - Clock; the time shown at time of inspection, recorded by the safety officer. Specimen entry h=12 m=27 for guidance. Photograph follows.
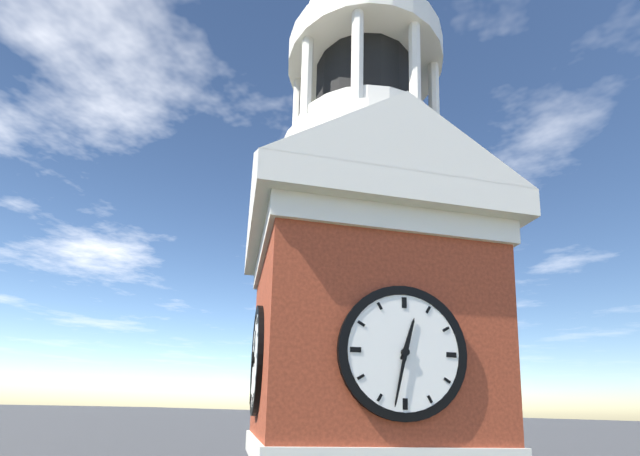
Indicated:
h=12 m=32
